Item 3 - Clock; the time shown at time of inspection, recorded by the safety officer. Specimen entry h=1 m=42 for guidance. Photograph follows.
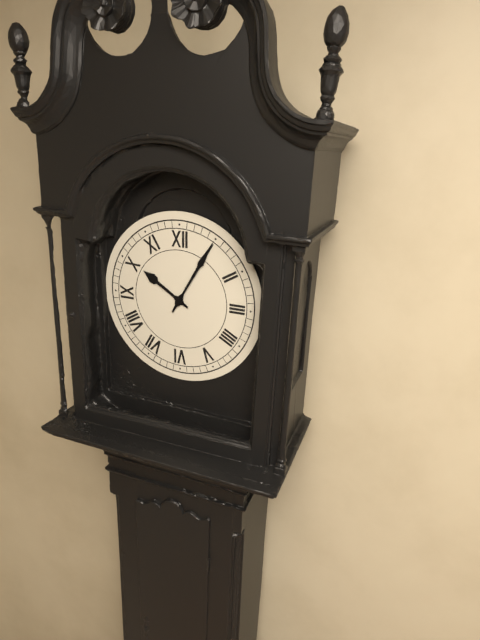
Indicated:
h=10 m=5
